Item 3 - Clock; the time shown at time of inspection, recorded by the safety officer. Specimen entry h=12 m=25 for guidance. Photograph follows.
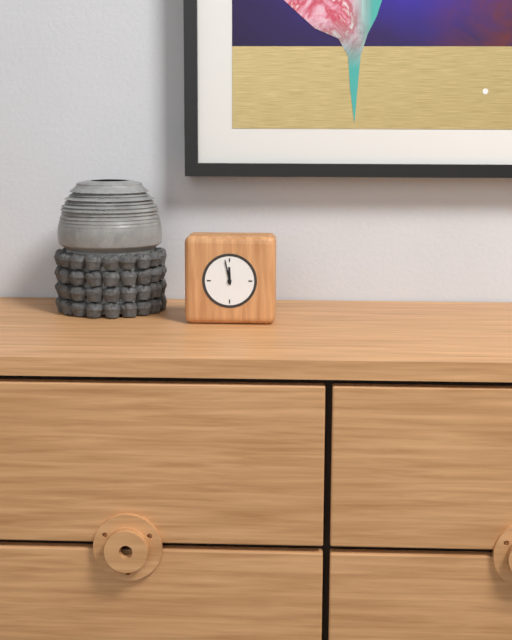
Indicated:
h=11 m=58
